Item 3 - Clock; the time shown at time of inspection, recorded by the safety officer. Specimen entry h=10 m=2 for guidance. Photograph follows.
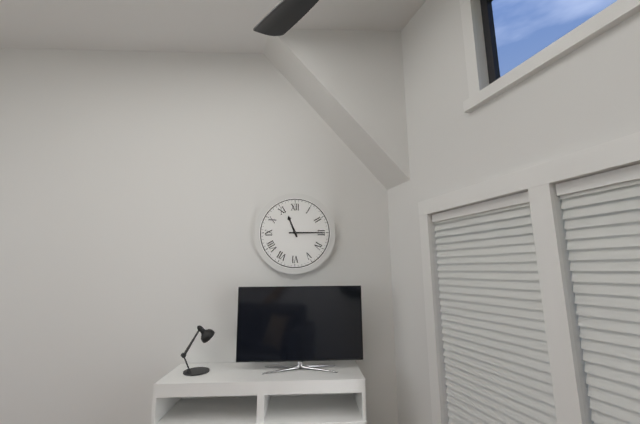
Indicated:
h=11 m=15
